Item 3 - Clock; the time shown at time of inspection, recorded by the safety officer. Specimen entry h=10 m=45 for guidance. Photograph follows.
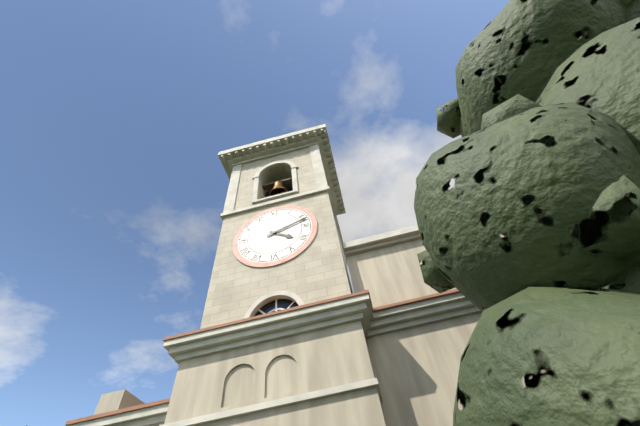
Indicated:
h=4 m=12
